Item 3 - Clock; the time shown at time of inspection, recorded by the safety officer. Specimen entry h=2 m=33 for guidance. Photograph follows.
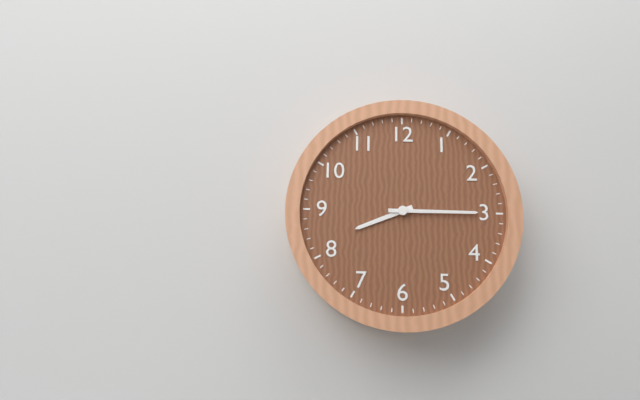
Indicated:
h=8 m=15
